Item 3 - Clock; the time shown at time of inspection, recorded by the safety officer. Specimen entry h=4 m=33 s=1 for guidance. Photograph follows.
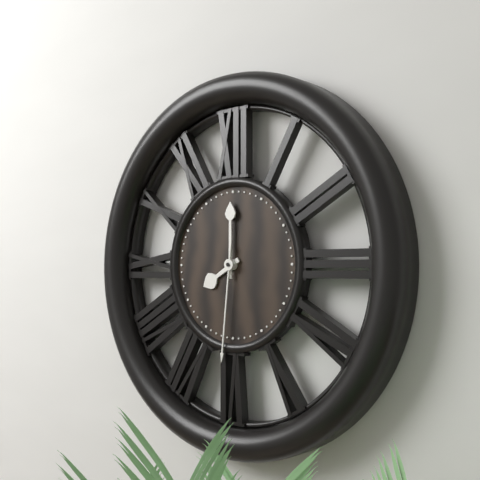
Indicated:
h=8 m=0 s=31
